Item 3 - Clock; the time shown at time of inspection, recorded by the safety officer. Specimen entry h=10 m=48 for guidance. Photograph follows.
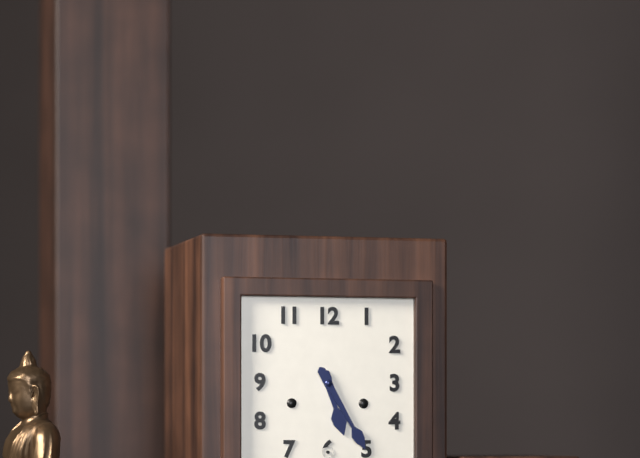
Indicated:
h=5 m=25
